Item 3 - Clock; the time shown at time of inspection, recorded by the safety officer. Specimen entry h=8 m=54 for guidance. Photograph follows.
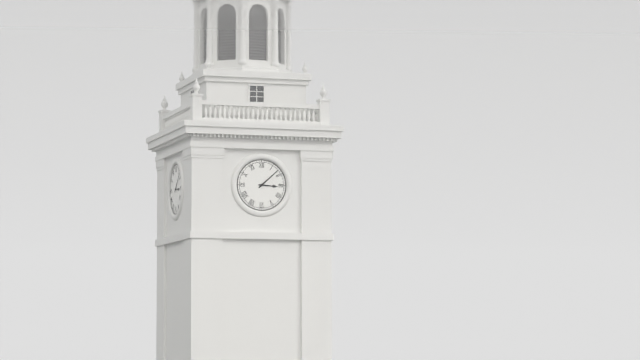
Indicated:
h=3 m=8
